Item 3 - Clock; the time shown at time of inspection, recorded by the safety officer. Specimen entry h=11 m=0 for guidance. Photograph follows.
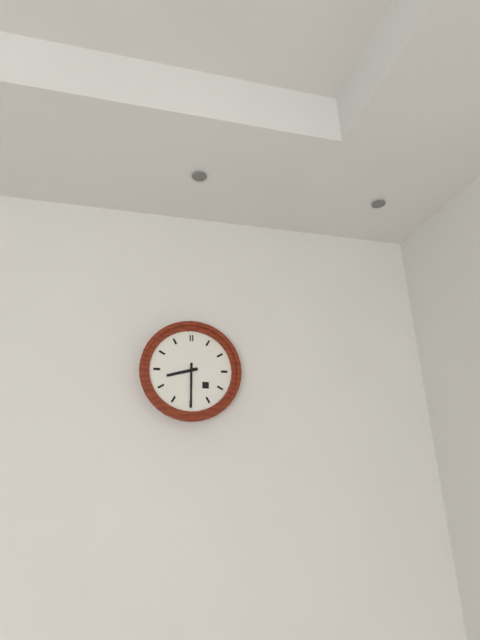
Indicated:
h=8 m=30
